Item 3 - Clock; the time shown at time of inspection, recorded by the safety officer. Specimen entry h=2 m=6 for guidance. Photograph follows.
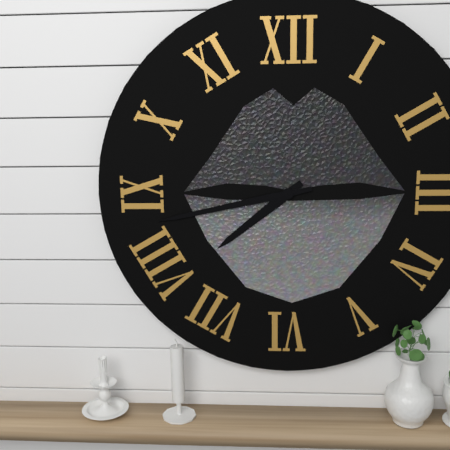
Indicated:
h=7 m=43
